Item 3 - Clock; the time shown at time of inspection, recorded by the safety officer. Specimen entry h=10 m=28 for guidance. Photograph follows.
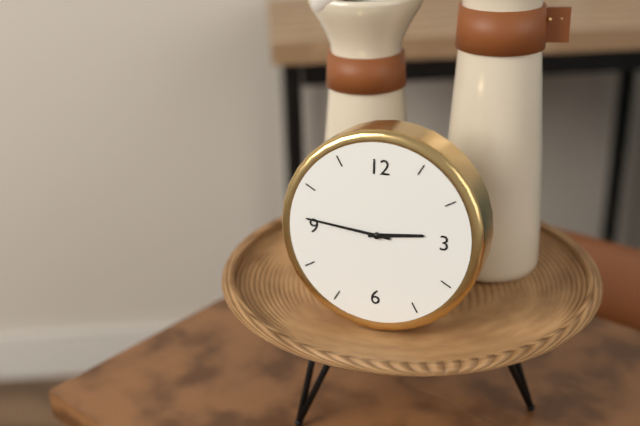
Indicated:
h=2 m=46
